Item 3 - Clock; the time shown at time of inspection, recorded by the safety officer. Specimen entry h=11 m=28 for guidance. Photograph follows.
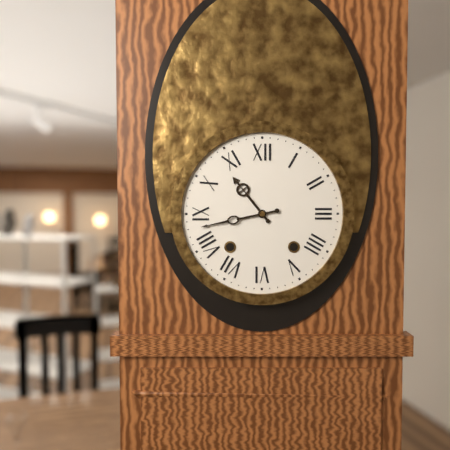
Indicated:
h=10 m=43
